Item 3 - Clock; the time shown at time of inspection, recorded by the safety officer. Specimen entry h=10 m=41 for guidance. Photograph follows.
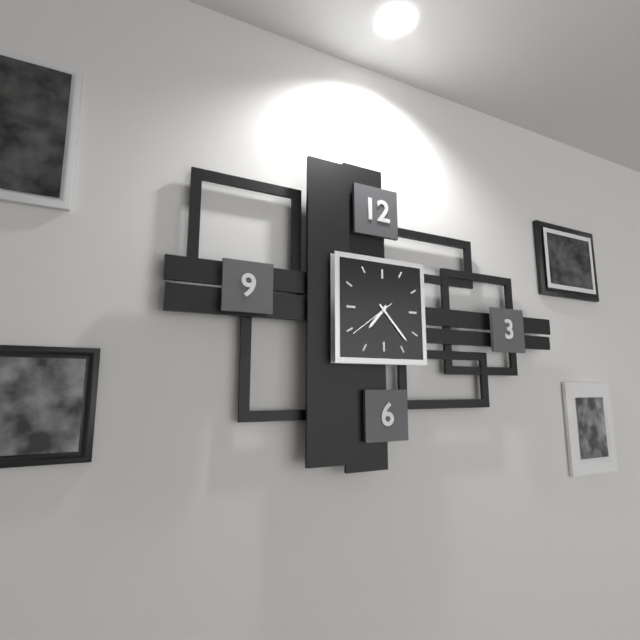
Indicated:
h=7 m=23
